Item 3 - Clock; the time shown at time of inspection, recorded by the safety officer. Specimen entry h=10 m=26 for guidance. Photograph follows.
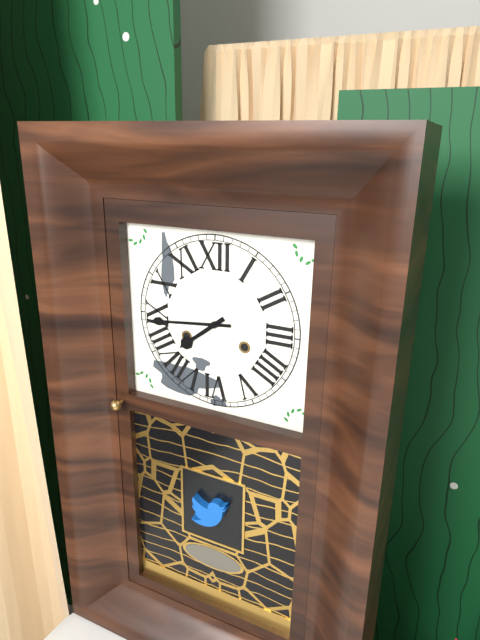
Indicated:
h=7 m=44
